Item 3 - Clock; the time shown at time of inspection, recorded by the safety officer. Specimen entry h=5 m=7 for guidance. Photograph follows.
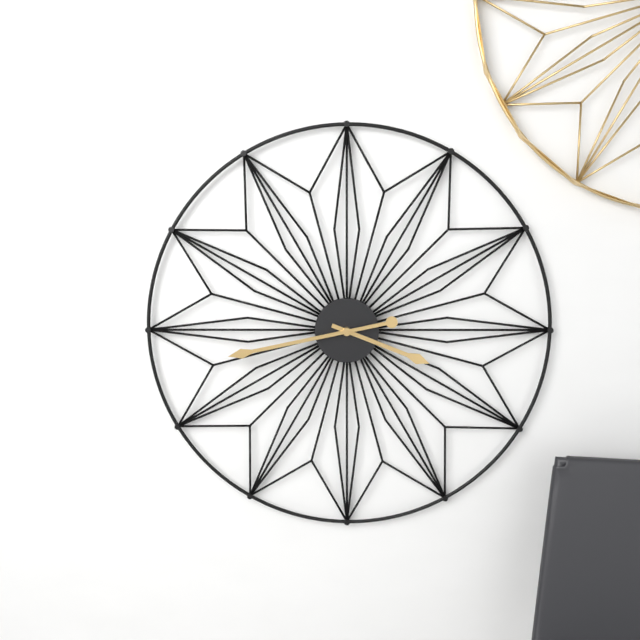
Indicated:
h=3 m=43
